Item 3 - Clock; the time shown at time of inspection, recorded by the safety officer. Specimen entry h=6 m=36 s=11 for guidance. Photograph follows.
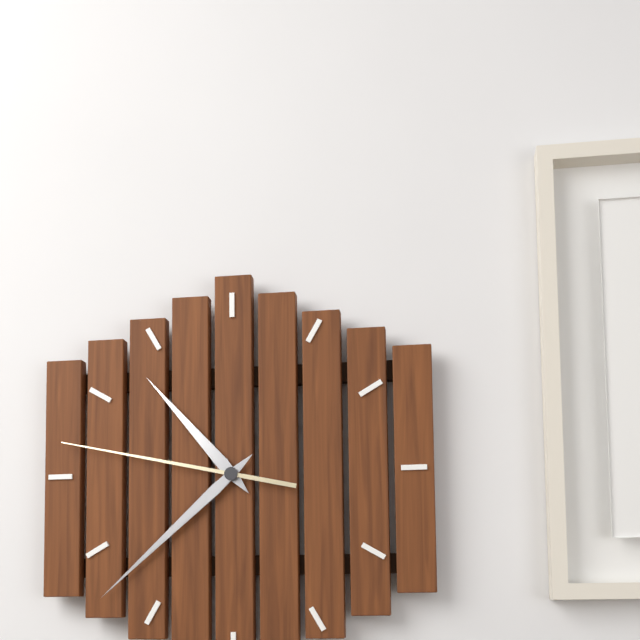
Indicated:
h=10 m=38 s=47
